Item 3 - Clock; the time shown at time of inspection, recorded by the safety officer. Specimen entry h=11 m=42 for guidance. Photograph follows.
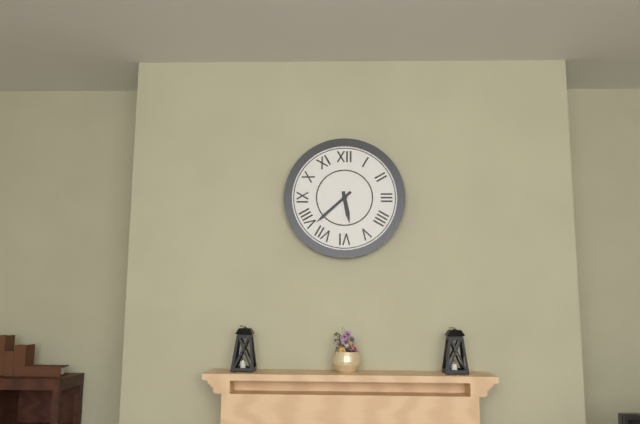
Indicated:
h=5 m=38
